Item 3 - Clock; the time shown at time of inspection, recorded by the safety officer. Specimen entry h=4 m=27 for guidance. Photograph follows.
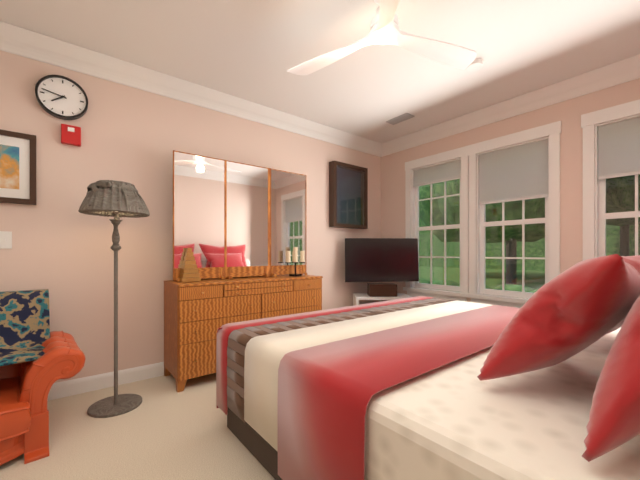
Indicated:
h=7 m=47
